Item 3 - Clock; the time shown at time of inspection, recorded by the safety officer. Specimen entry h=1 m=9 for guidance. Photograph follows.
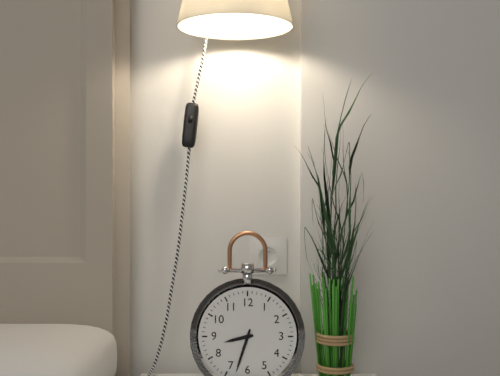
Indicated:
h=8 m=33
